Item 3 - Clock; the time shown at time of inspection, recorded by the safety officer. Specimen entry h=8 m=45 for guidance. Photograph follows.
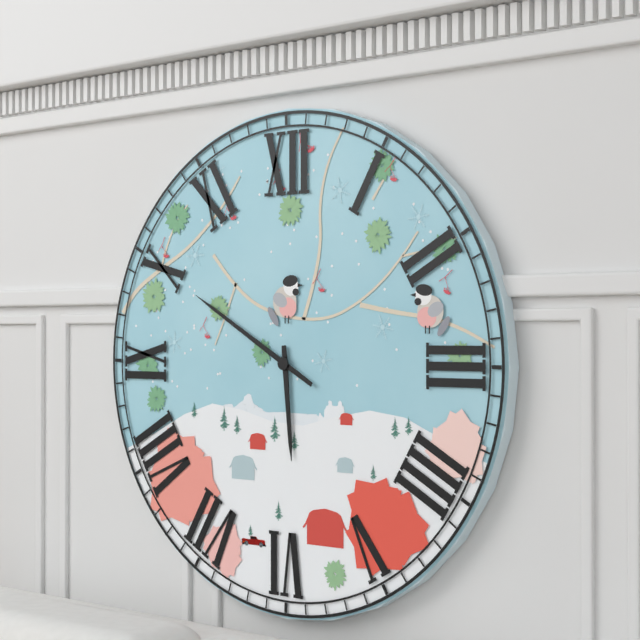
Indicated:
h=5 m=50
